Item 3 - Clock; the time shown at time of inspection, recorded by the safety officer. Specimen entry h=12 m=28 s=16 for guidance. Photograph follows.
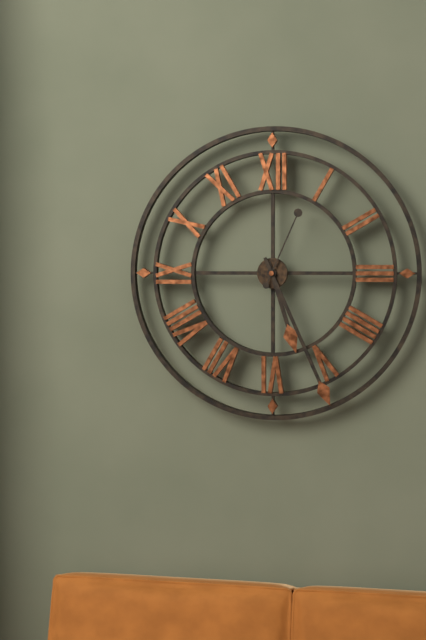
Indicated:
h=5 m=26 s=4
